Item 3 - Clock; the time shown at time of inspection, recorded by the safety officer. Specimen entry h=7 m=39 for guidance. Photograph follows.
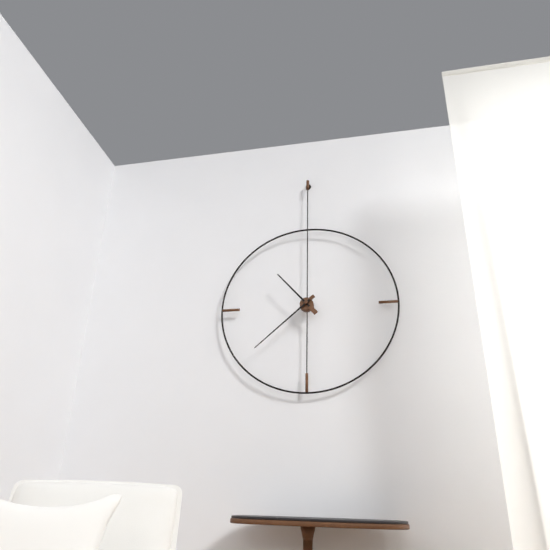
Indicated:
h=10 m=38
